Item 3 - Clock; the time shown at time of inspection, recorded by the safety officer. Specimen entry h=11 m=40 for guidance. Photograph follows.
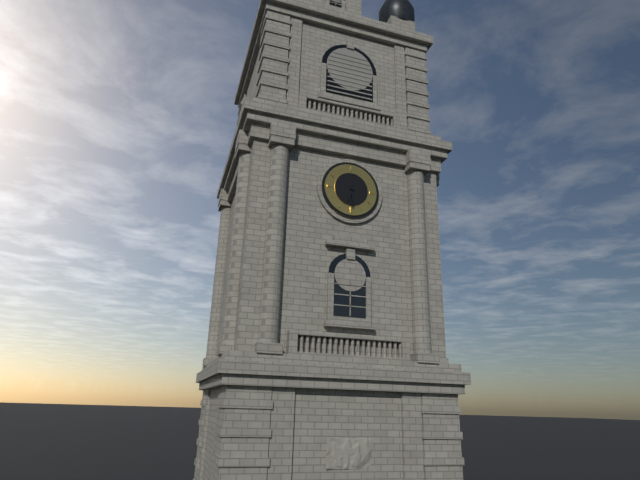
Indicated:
h=6 m=29
